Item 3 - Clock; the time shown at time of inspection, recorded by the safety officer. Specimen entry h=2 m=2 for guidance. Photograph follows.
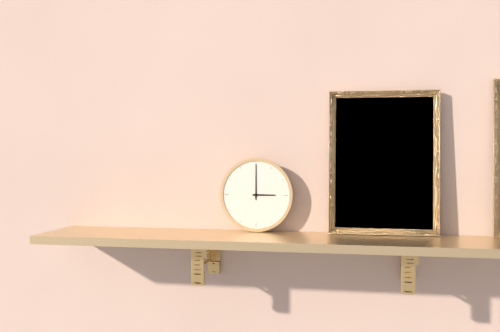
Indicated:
h=3 m=0
